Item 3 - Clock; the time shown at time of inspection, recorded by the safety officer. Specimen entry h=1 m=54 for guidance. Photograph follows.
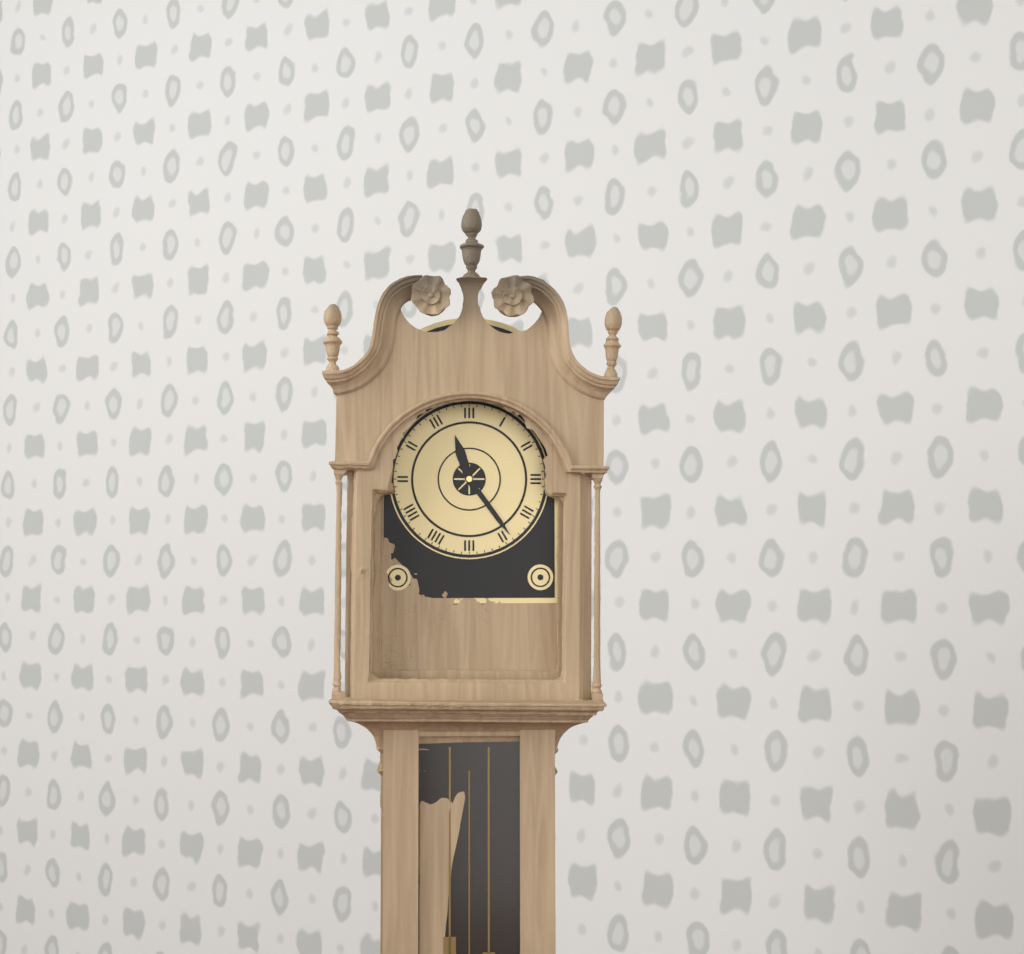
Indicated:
h=11 m=24
